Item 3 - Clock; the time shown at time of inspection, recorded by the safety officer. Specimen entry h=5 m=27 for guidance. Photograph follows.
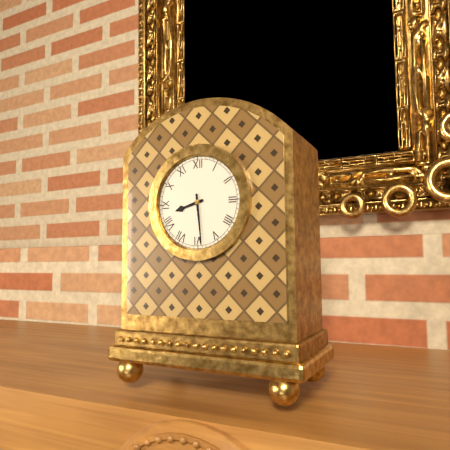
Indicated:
h=8 m=29
